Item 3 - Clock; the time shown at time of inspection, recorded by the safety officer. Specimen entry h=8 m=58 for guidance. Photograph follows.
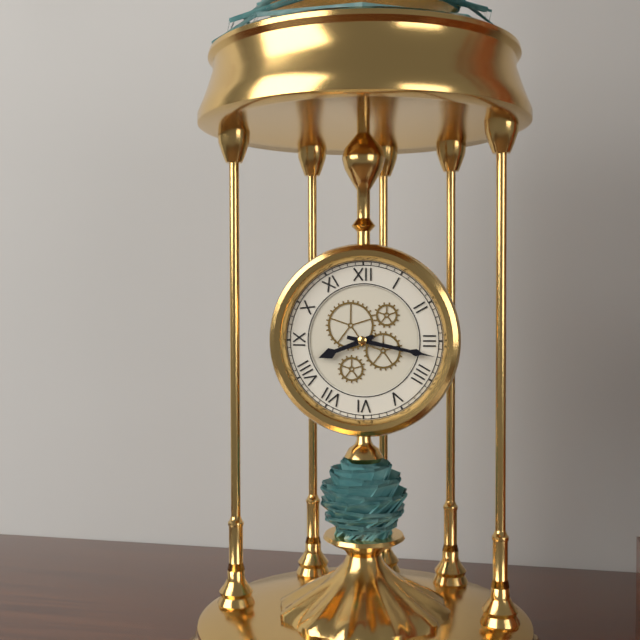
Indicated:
h=8 m=17
